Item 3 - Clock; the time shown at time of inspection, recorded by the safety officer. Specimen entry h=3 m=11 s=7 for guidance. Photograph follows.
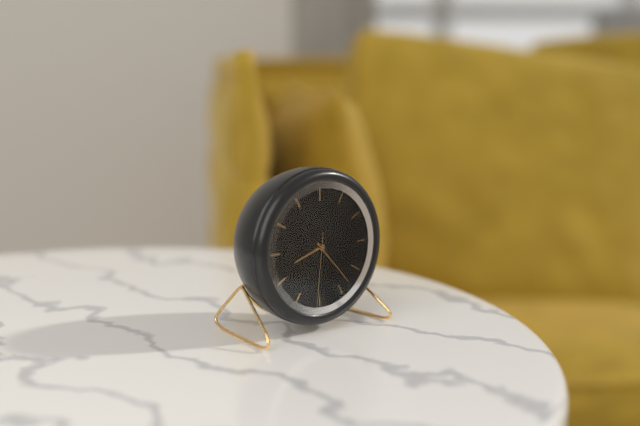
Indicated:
h=8 m=23 s=31
